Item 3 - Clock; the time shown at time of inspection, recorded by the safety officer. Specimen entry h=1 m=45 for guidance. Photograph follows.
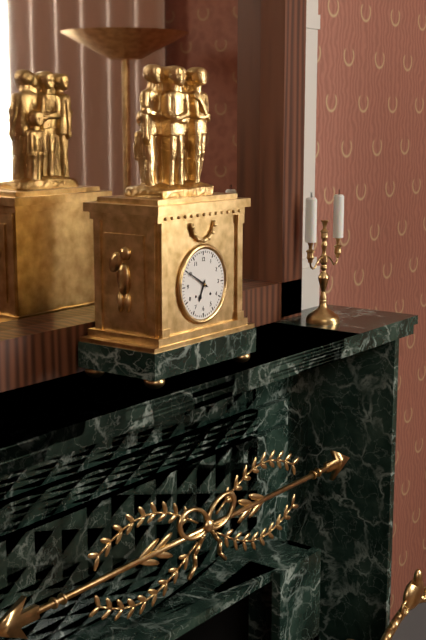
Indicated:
h=6 m=50
